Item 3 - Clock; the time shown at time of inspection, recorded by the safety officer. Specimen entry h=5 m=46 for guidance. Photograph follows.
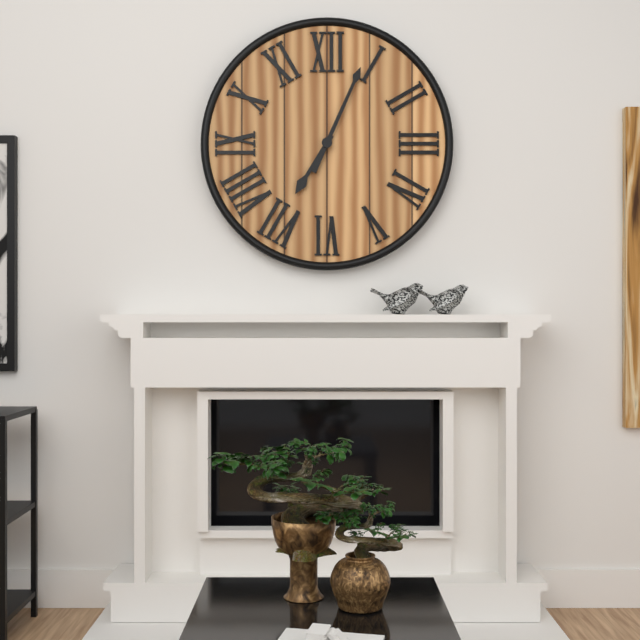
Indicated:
h=7 m=4
